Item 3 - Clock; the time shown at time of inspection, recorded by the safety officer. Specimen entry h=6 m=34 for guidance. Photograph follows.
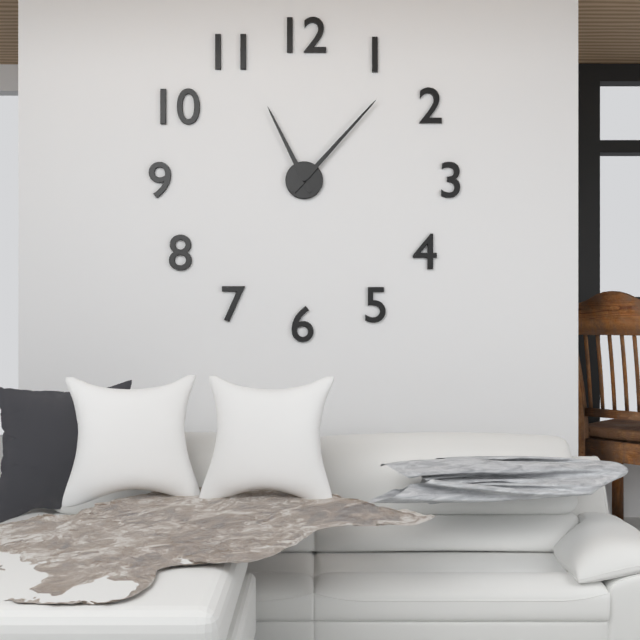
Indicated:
h=11 m=7
